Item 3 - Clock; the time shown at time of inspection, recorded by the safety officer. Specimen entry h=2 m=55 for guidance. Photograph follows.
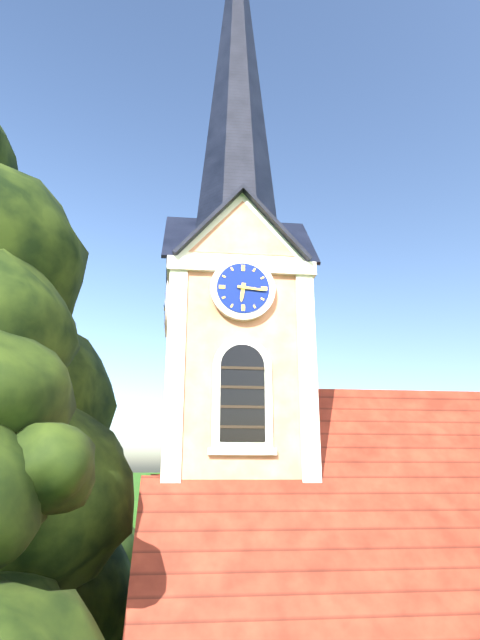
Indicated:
h=6 m=16
